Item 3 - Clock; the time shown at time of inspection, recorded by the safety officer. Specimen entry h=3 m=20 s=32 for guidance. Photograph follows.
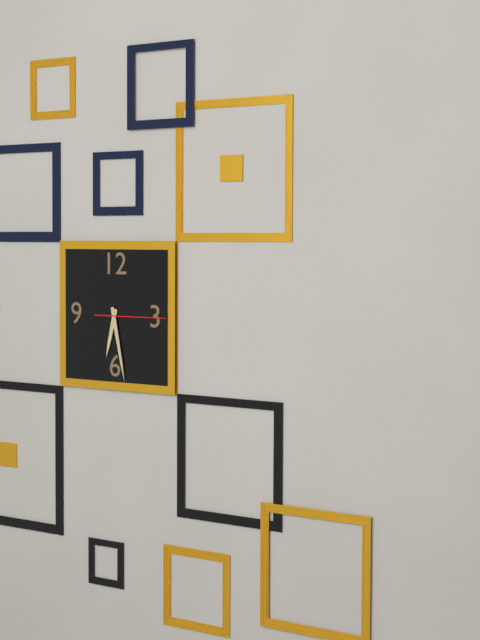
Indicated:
h=6 m=28 s=15
